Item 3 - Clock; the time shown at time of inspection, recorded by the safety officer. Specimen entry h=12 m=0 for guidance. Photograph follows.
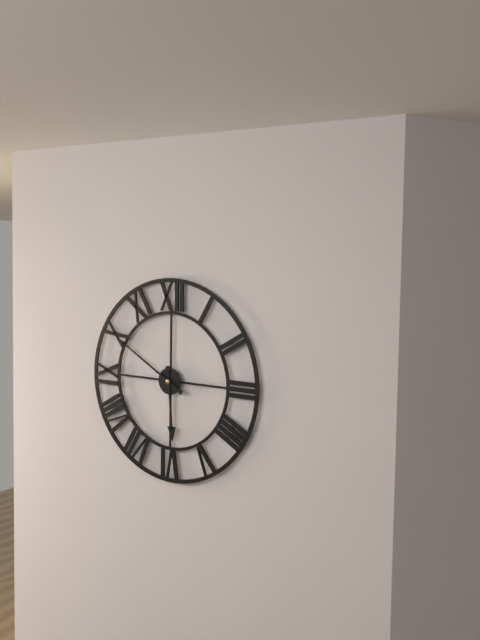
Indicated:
h=5 m=50
